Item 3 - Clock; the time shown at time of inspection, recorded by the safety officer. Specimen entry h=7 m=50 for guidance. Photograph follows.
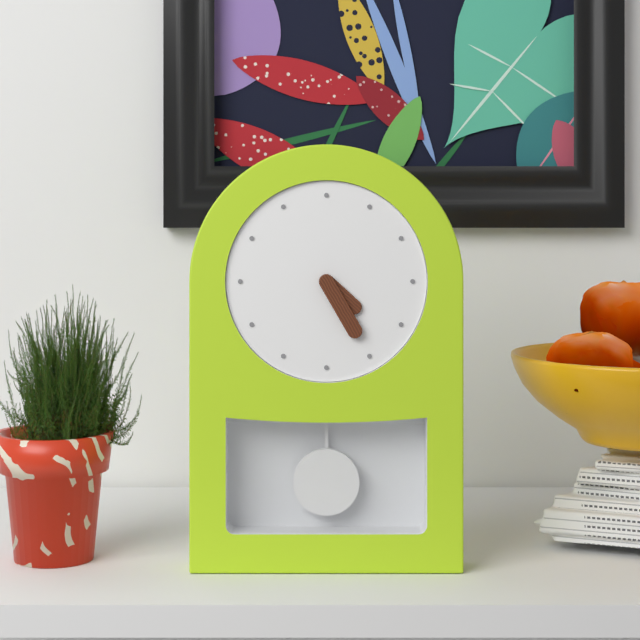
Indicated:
h=4 m=25
